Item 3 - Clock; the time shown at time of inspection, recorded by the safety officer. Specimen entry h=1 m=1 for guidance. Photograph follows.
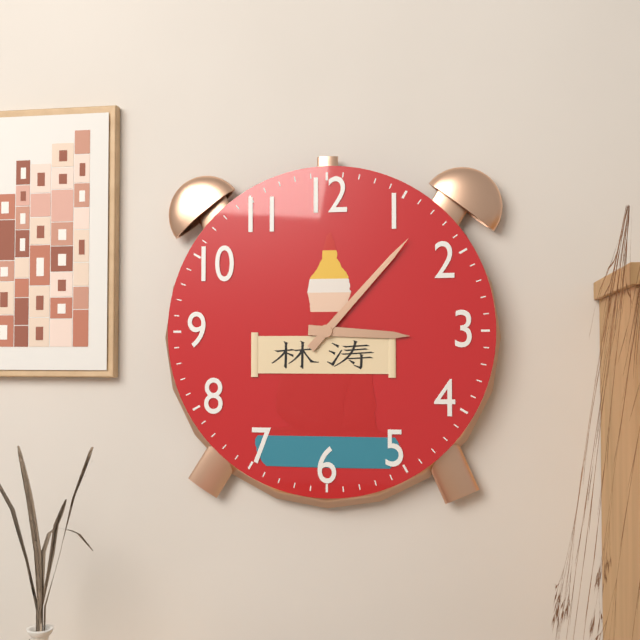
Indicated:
h=3 m=7
